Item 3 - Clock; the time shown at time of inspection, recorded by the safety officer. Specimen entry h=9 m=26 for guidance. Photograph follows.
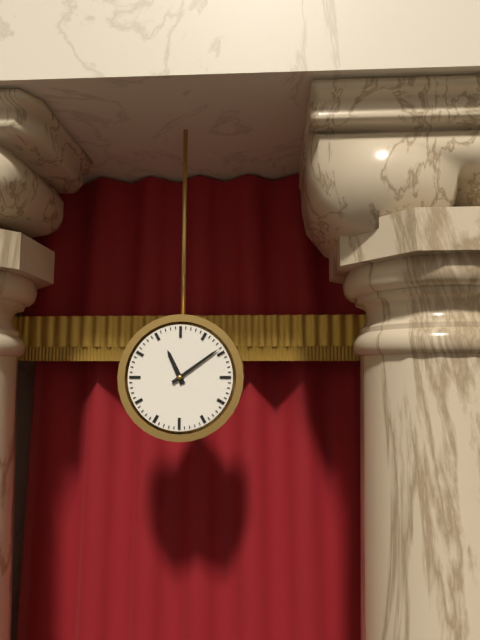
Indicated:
h=11 m=9
